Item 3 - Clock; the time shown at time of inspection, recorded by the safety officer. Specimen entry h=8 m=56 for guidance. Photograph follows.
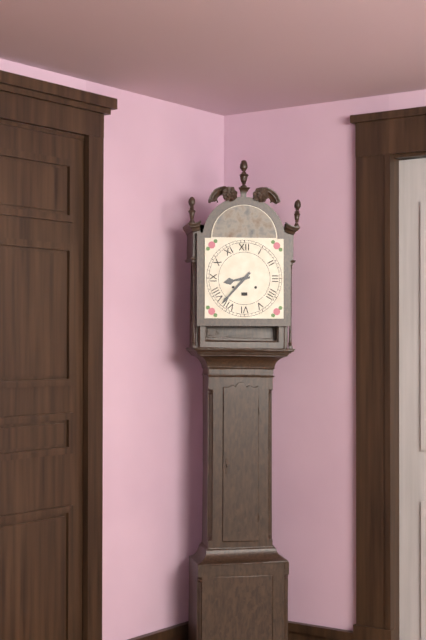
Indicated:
h=8 m=37
